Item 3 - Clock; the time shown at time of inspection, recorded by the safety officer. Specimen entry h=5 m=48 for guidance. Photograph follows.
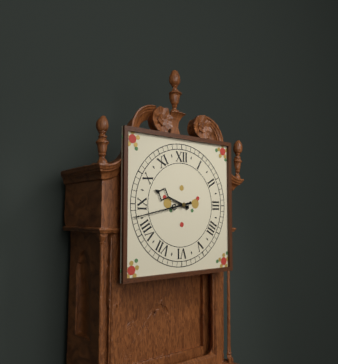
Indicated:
h=9 m=43
